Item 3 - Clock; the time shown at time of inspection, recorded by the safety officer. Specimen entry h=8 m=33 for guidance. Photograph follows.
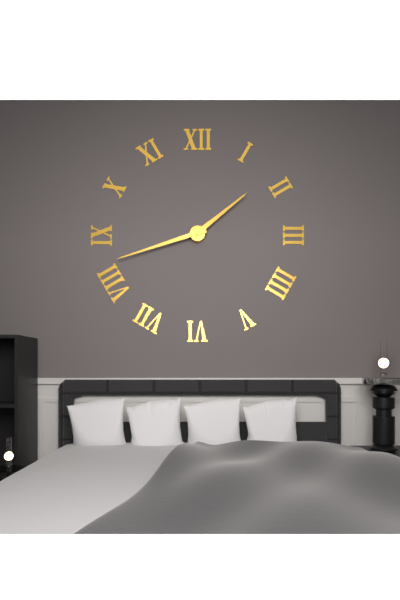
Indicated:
h=1 m=42
